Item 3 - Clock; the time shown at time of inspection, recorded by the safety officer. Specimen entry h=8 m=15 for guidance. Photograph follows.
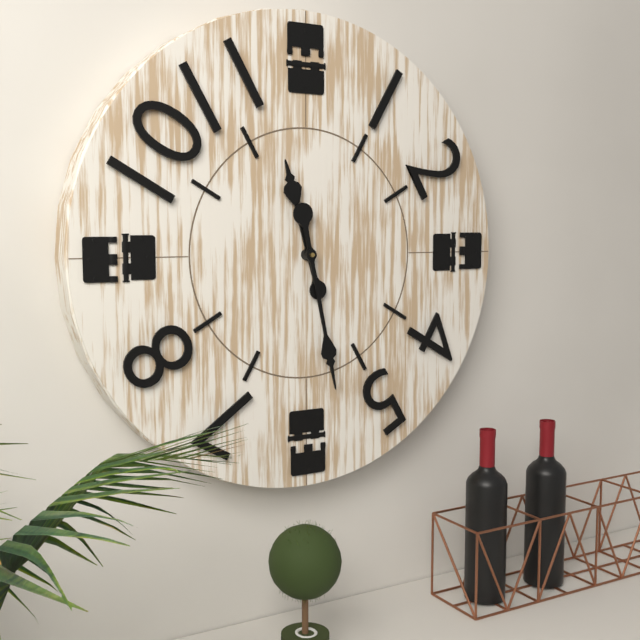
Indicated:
h=11 m=28
